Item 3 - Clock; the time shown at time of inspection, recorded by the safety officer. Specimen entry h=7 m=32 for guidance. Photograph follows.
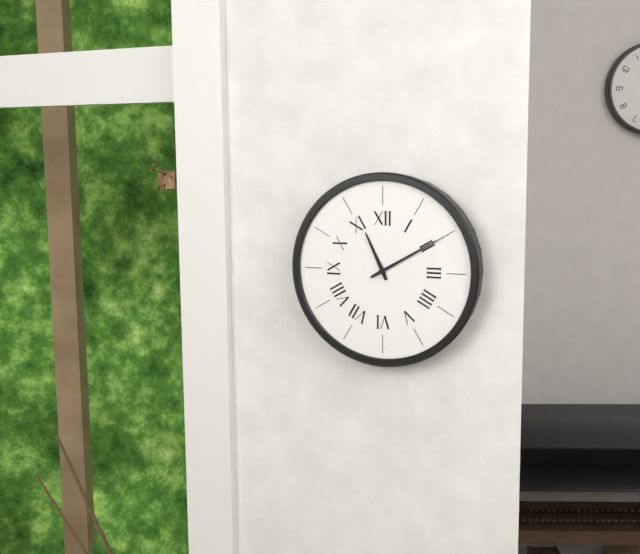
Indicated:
h=11 m=10
